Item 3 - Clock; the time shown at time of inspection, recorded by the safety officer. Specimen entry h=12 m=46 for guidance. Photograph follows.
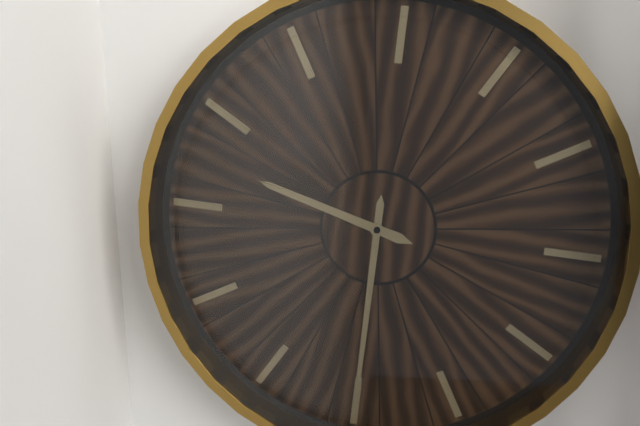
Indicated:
h=9 m=30
